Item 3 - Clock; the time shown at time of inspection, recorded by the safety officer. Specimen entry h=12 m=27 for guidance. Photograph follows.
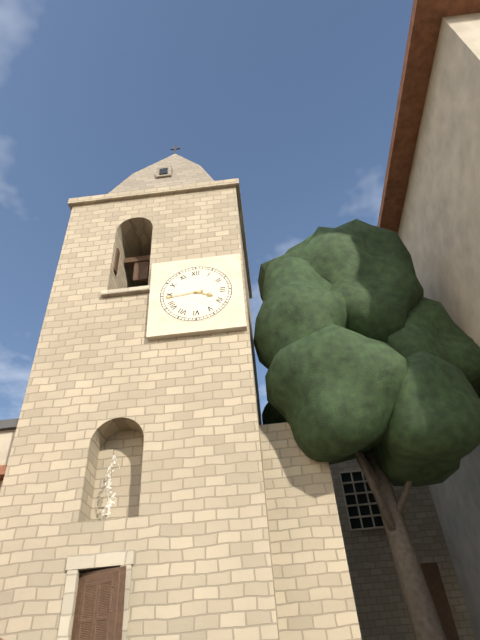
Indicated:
h=3 m=44
